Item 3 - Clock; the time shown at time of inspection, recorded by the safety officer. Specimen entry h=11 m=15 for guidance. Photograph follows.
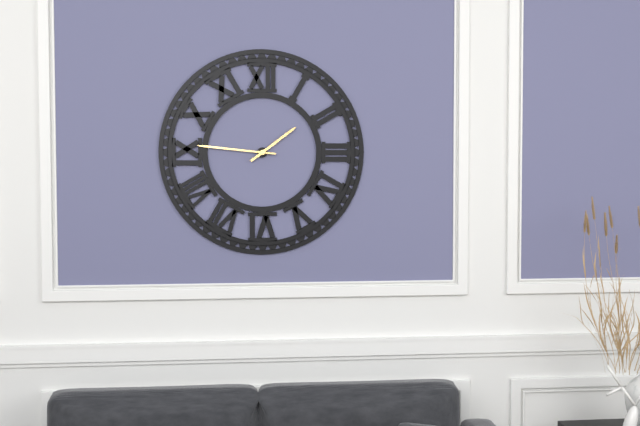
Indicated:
h=1 m=46
